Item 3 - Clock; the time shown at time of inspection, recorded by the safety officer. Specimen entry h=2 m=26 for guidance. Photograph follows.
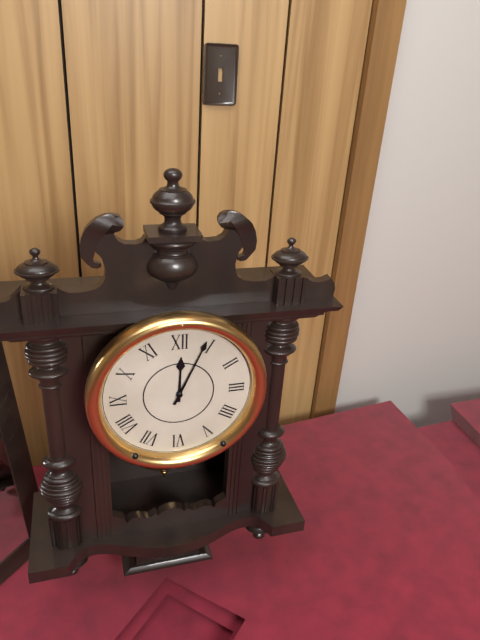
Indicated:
h=12 m=4
